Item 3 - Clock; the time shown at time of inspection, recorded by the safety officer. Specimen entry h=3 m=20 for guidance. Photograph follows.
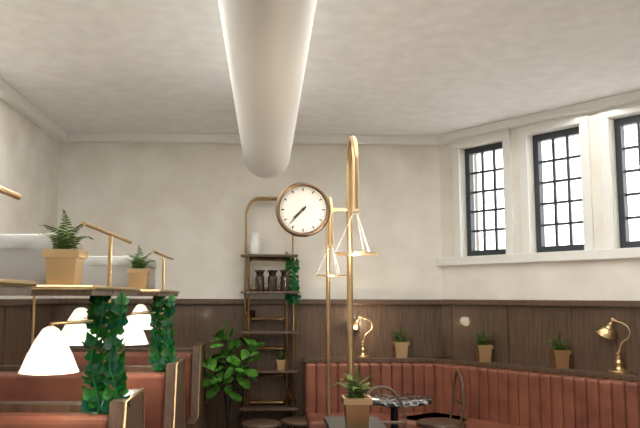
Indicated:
h=7 m=37
